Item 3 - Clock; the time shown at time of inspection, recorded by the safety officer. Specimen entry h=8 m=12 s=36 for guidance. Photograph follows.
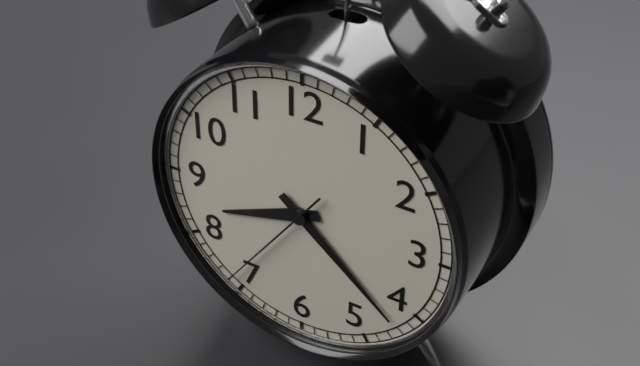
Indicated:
h=8 m=22 s=36
